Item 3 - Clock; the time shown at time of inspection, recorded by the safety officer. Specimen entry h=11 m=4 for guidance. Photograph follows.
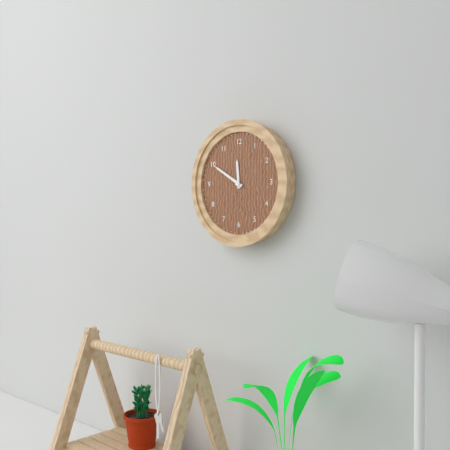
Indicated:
h=11 m=50
